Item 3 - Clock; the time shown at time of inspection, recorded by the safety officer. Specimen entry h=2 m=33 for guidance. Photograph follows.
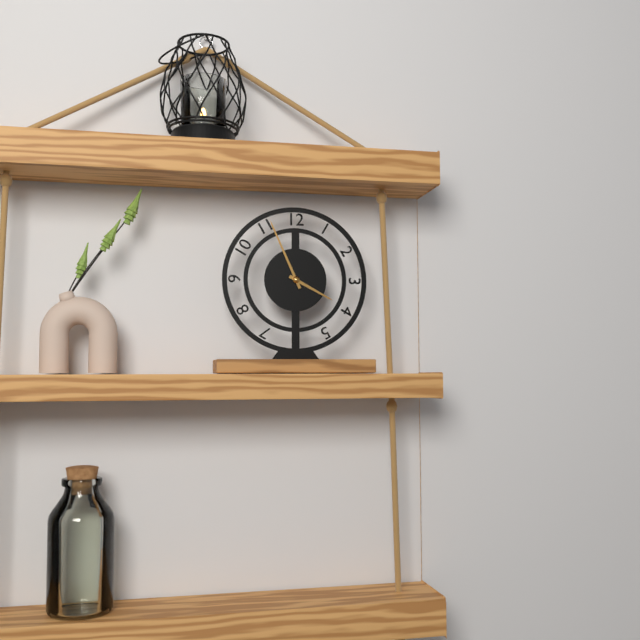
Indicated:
h=3 m=56
